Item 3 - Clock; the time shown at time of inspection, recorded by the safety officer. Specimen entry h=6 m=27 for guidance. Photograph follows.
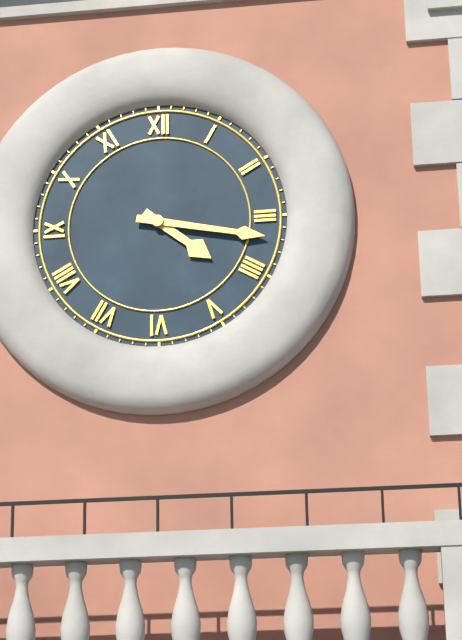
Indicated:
h=4 m=17
